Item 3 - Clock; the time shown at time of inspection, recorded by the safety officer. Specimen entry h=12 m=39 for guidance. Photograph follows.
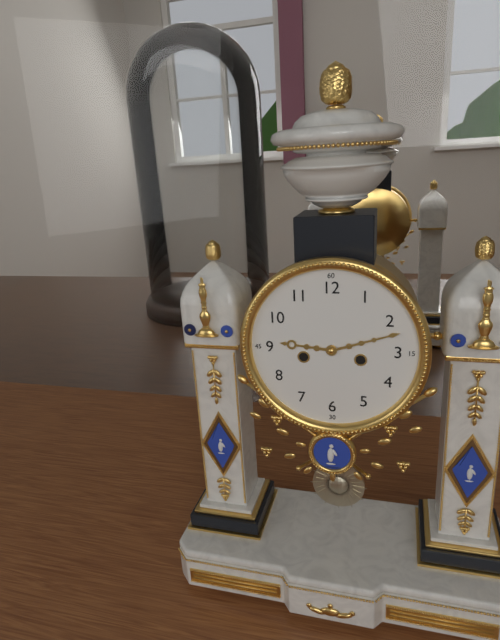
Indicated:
h=9 m=12
